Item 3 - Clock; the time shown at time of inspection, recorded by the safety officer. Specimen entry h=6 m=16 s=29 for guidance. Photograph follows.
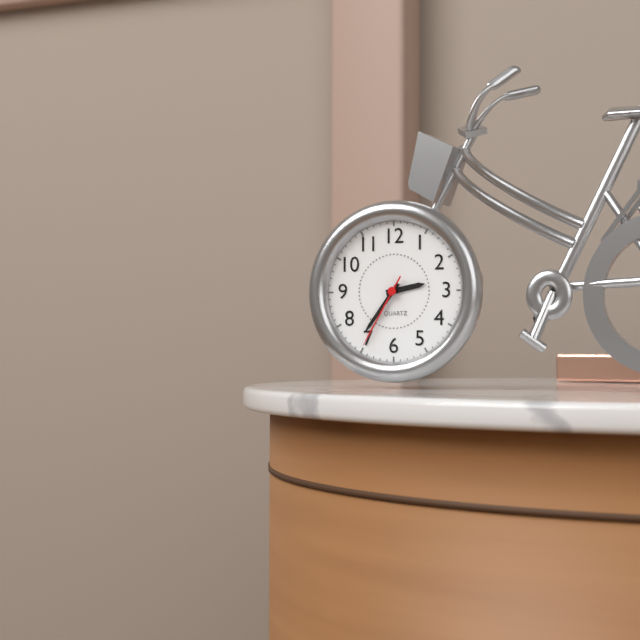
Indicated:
h=2 m=36 s=35
